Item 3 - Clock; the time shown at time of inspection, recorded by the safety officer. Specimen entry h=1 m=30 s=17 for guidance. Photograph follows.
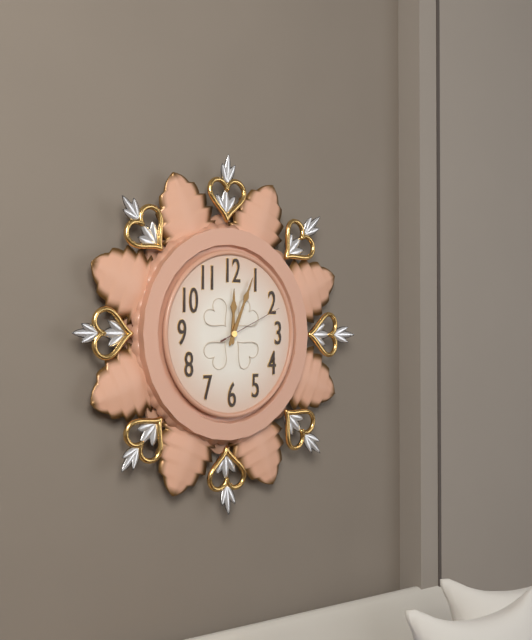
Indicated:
h=12 m=4 s=11
